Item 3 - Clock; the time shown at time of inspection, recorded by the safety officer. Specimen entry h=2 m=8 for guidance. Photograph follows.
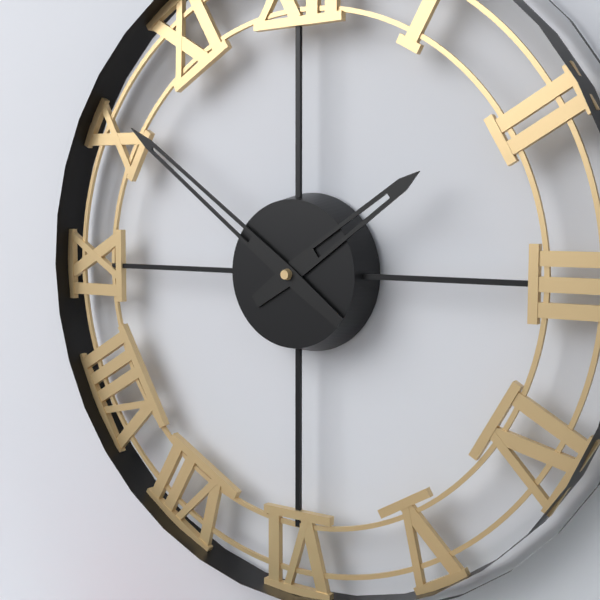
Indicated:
h=1 m=51
